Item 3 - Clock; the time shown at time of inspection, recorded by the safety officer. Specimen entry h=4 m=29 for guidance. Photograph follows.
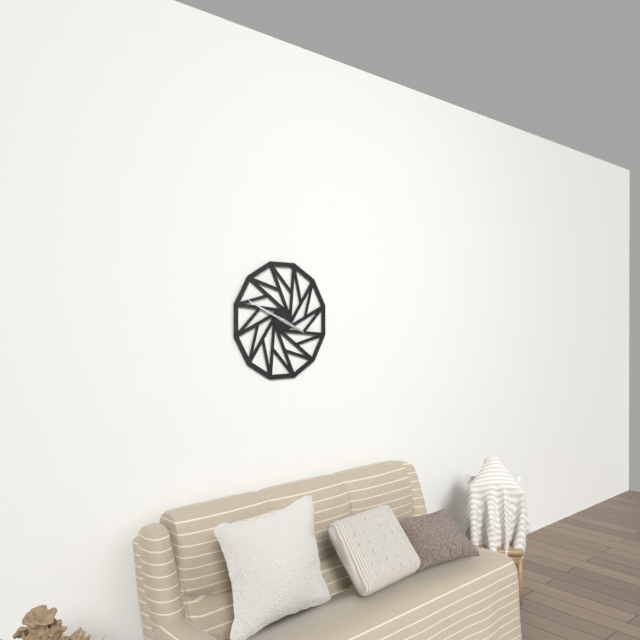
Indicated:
h=3 m=49
